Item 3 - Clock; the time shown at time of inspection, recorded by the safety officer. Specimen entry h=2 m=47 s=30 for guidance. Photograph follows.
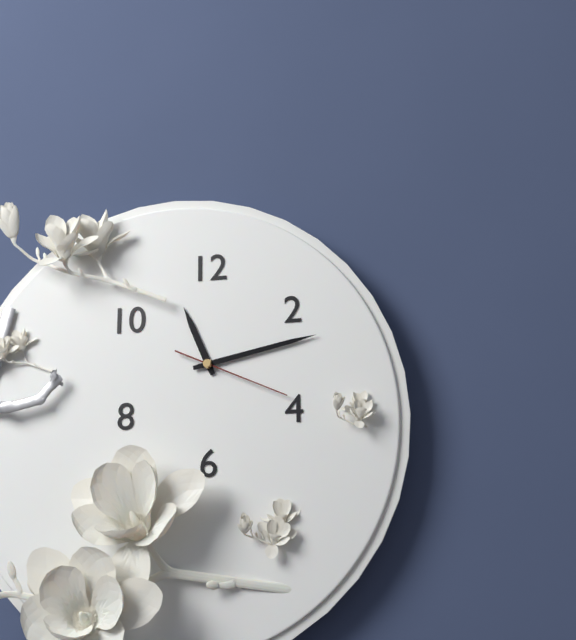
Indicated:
h=11 m=13 s=19
